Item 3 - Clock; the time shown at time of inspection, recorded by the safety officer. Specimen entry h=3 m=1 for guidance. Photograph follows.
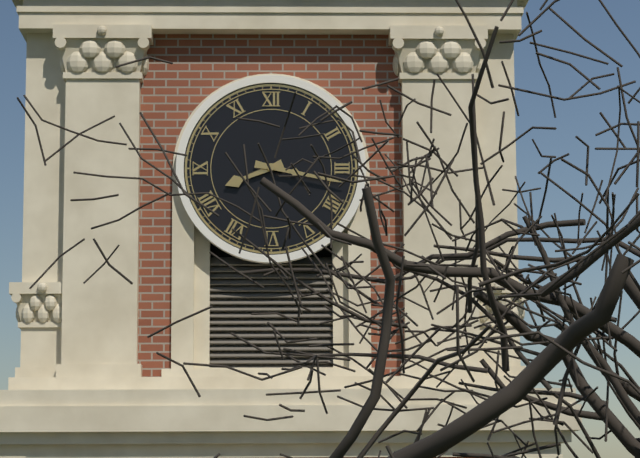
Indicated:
h=8 m=17
